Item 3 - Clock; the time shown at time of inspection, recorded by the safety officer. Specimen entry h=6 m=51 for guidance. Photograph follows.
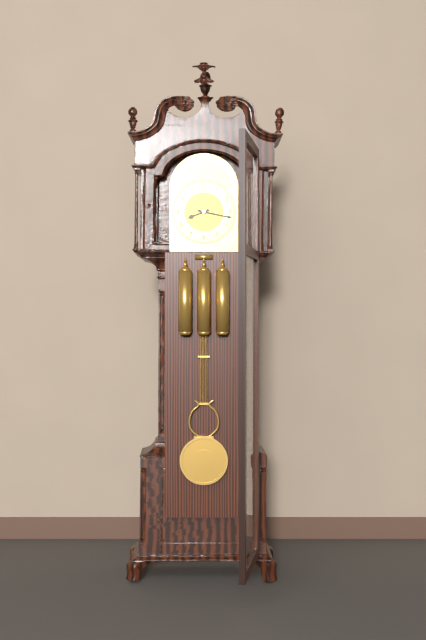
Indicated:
h=8 m=17
